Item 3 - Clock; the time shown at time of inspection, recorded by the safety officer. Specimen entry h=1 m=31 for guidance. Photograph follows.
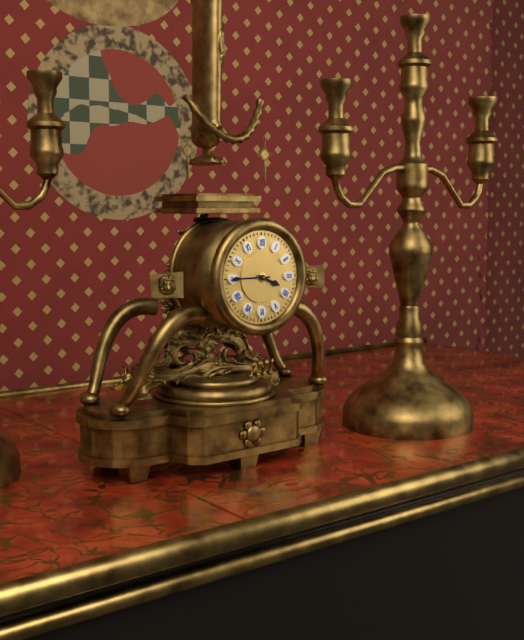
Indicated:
h=3 m=45
